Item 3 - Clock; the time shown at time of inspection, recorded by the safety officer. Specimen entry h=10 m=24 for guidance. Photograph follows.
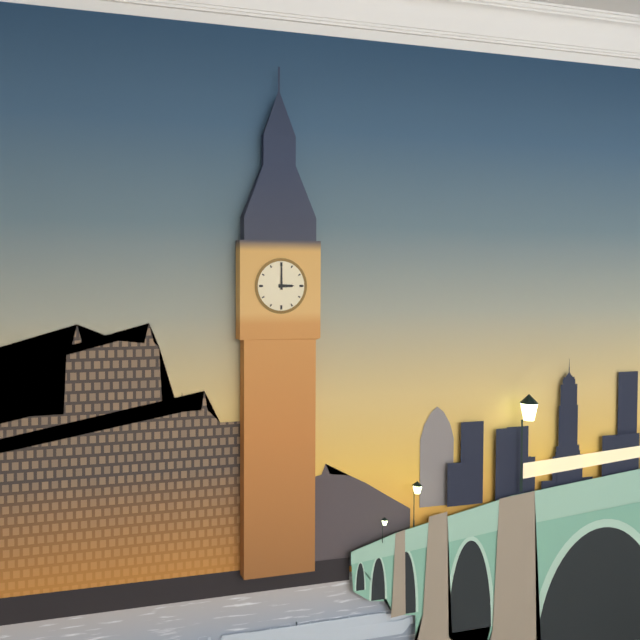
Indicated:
h=3 m=0
